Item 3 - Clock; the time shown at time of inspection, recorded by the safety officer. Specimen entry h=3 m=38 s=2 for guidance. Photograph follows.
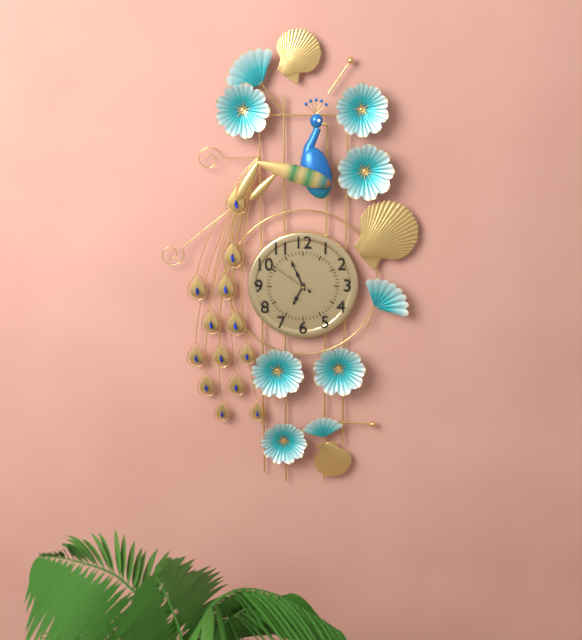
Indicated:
h=6 m=56 s=51
